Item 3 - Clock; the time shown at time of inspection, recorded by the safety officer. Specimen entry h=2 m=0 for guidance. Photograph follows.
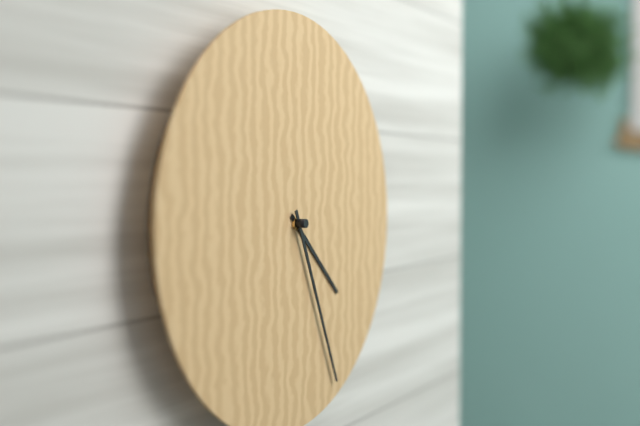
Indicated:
h=4 m=26
